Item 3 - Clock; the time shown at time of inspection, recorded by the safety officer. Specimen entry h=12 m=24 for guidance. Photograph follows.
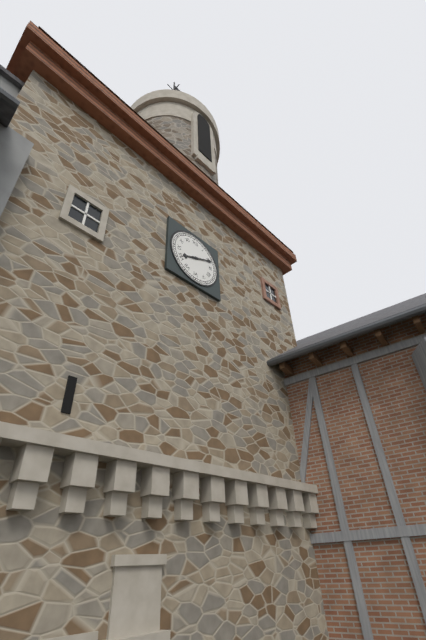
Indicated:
h=8 m=11
